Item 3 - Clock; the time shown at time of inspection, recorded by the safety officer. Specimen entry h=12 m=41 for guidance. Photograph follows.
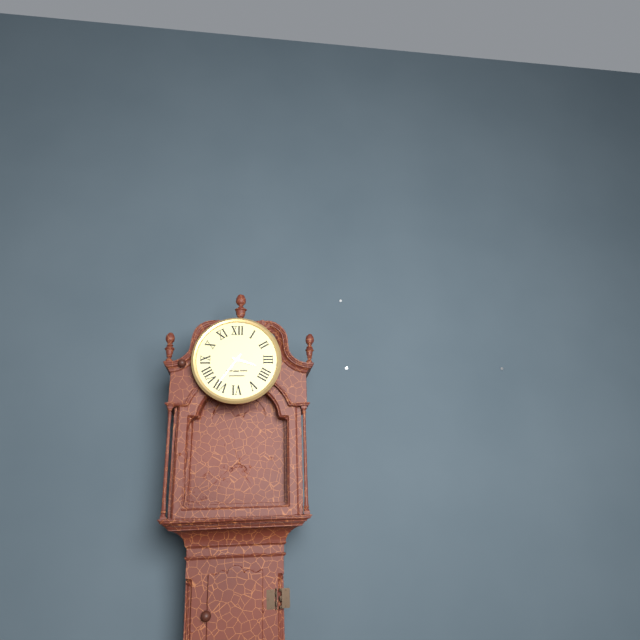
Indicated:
h=3 m=36
